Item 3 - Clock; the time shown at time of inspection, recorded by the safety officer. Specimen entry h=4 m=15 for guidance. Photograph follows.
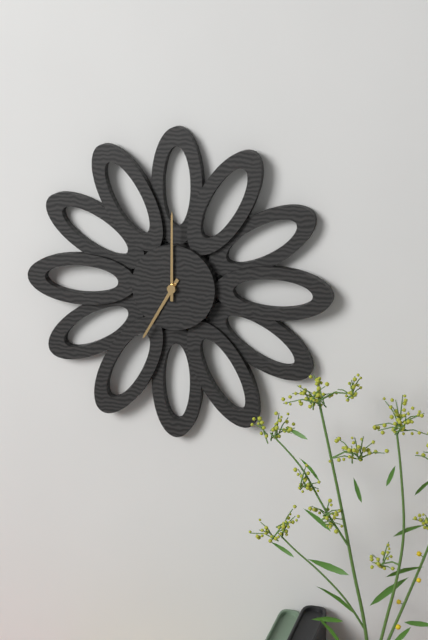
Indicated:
h=7 m=0
